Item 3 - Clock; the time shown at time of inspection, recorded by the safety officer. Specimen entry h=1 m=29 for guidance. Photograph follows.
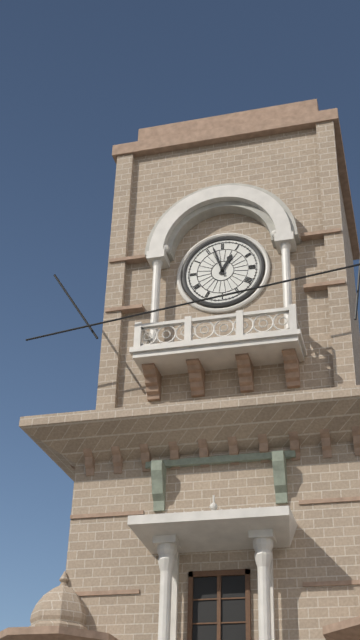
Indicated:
h=12 m=57
